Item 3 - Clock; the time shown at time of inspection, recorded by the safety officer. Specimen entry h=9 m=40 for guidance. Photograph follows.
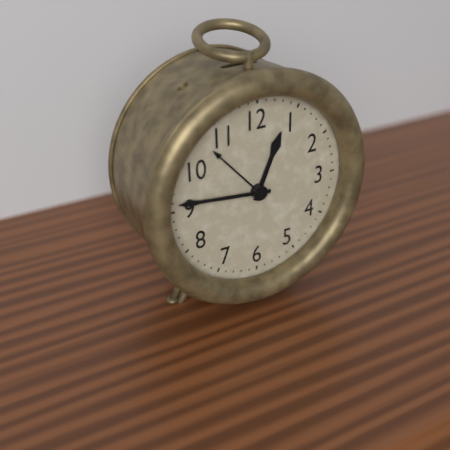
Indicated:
h=12 m=46
